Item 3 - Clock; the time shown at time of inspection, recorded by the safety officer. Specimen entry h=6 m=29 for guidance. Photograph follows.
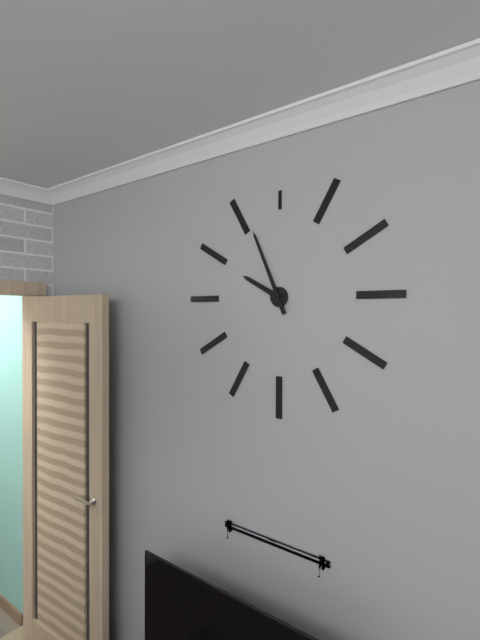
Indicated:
h=9 m=56
